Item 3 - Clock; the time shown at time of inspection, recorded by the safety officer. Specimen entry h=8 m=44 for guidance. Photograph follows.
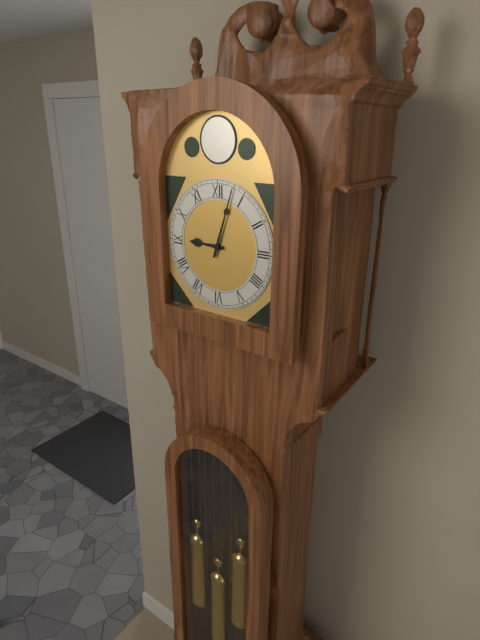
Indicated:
h=9 m=3
